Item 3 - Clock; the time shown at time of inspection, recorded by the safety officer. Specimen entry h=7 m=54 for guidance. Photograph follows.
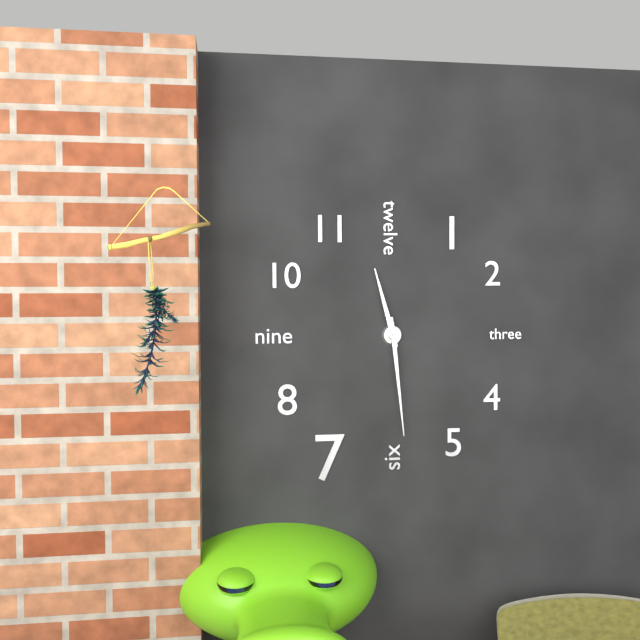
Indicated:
h=11 m=29
